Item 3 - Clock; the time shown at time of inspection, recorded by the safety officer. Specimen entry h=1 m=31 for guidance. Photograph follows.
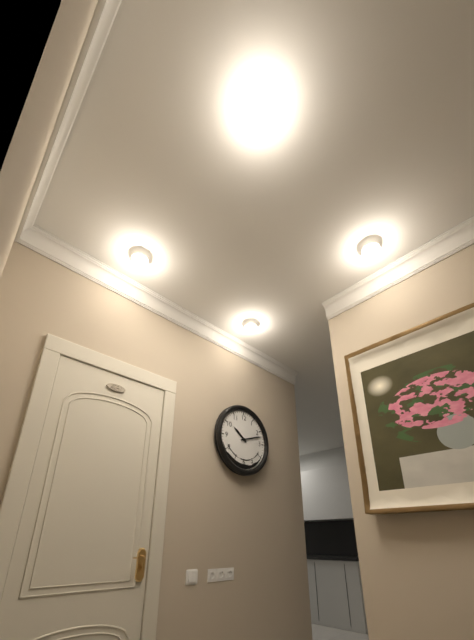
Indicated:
h=10 m=12
